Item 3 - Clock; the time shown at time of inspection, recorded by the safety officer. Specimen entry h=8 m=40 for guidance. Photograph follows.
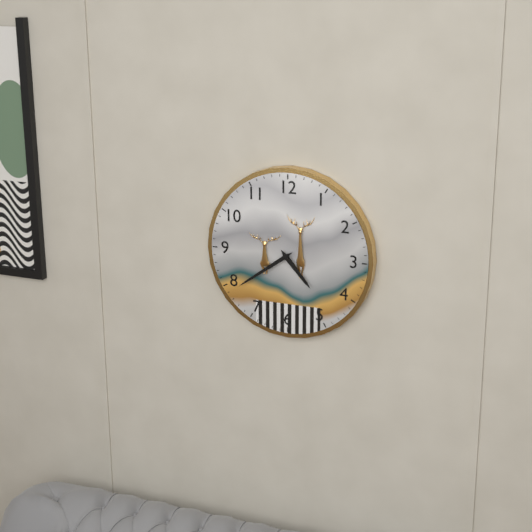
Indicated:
h=4 m=39
